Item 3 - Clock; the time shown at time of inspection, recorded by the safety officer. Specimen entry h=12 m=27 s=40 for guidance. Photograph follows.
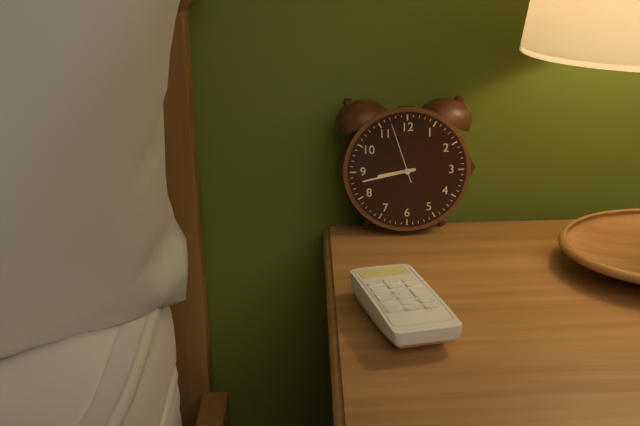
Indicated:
h=8 m=43 s=57
